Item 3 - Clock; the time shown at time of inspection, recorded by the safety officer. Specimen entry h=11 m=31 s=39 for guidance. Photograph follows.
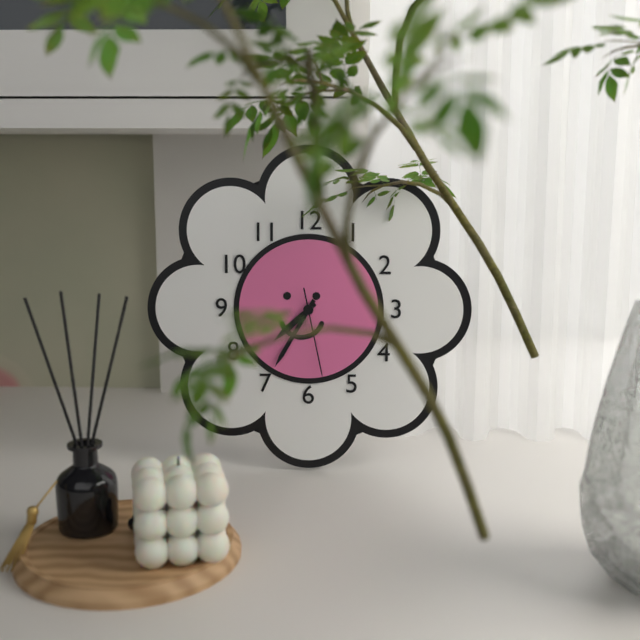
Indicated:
h=7 m=35 s=28
